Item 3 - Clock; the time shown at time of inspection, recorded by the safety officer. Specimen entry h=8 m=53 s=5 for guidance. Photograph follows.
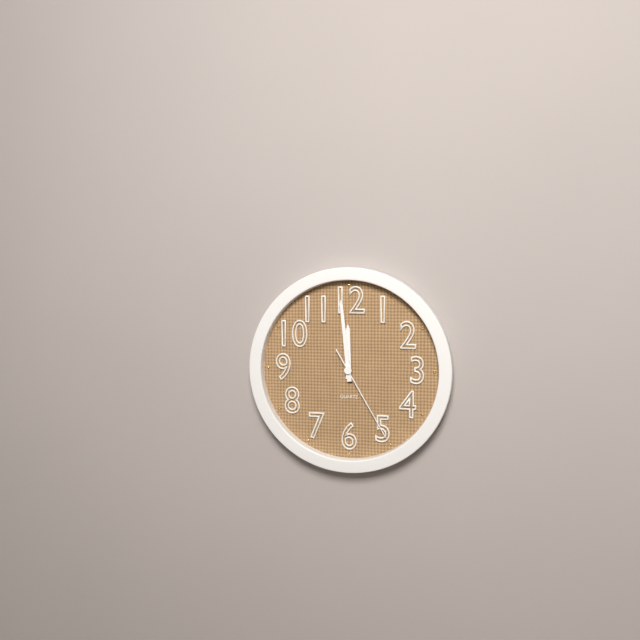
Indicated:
h=11 m=59 s=25
